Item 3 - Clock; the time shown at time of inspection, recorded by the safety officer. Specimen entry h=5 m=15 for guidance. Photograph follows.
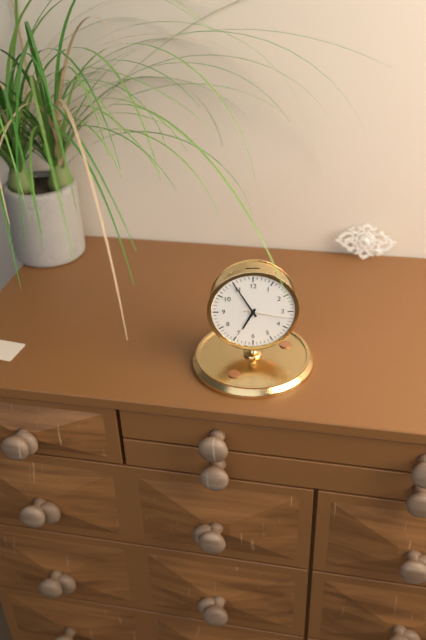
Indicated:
h=6 m=55
